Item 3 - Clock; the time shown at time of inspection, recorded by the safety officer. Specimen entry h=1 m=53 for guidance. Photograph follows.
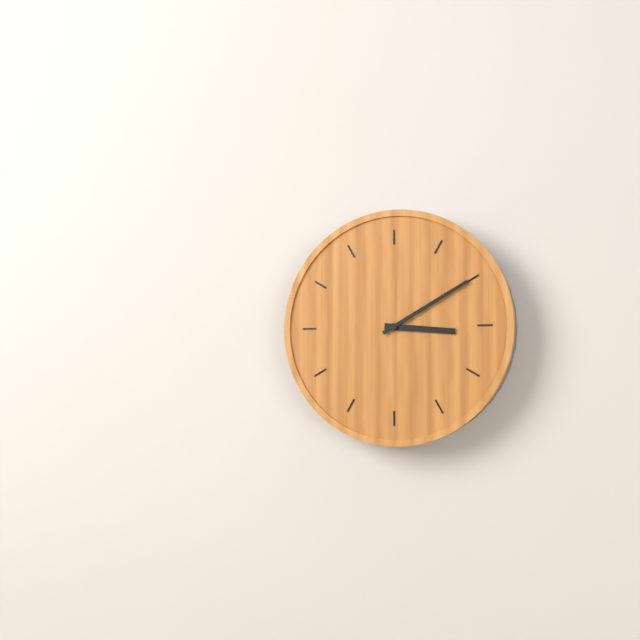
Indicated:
h=3 m=10
